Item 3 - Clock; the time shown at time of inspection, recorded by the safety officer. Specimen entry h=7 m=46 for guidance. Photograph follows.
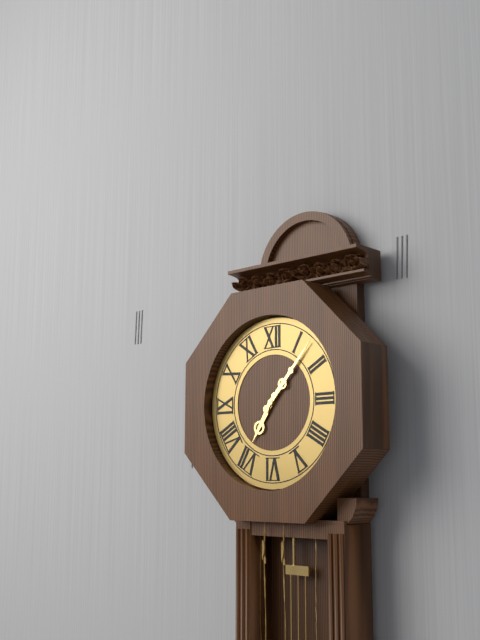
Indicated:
h=7 m=7
